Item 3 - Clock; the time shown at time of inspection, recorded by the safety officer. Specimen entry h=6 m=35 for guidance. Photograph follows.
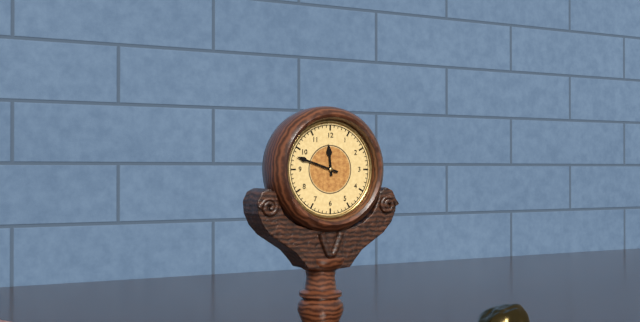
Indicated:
h=11 m=48
